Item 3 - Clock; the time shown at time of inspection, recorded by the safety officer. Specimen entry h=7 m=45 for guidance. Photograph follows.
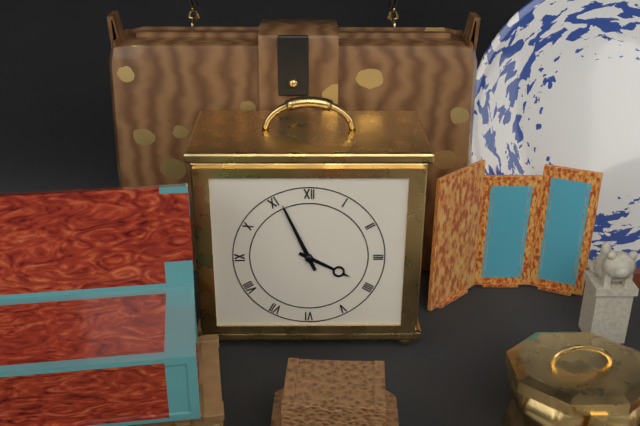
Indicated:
h=3 m=56
